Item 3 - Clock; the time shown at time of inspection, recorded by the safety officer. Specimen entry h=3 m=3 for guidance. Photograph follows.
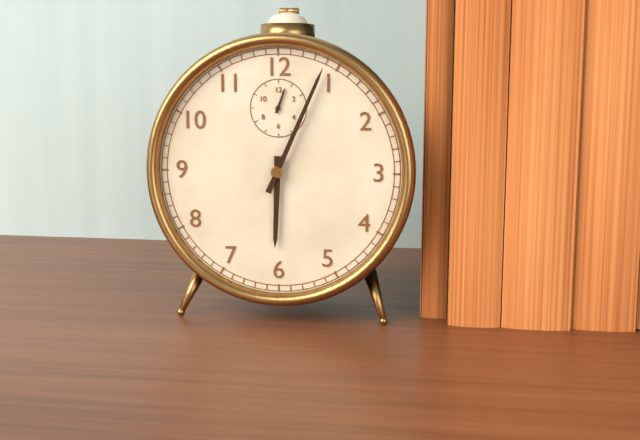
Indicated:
h=6 m=4
